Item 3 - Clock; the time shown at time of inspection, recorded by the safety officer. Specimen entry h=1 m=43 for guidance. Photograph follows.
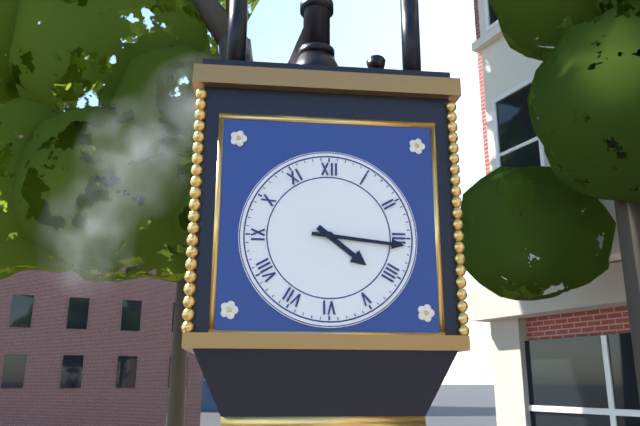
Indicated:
h=4 m=16
